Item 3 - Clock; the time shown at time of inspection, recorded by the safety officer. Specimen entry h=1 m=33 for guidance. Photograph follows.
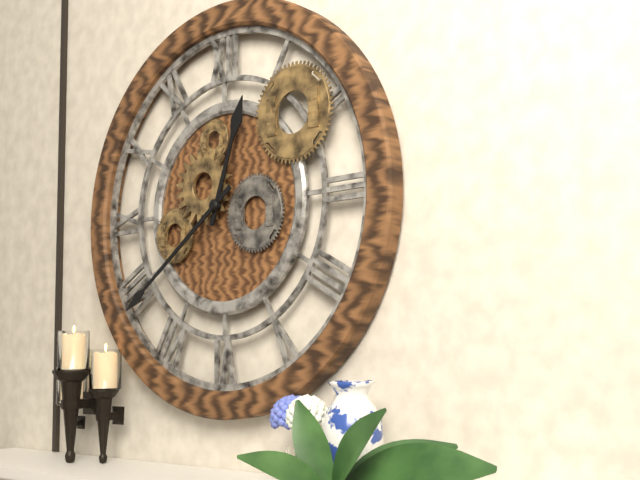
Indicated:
h=12 m=39
